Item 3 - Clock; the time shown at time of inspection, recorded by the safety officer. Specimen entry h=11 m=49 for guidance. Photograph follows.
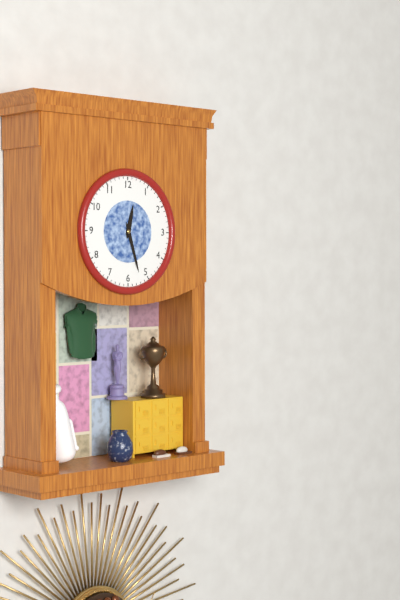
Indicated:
h=12 m=27
